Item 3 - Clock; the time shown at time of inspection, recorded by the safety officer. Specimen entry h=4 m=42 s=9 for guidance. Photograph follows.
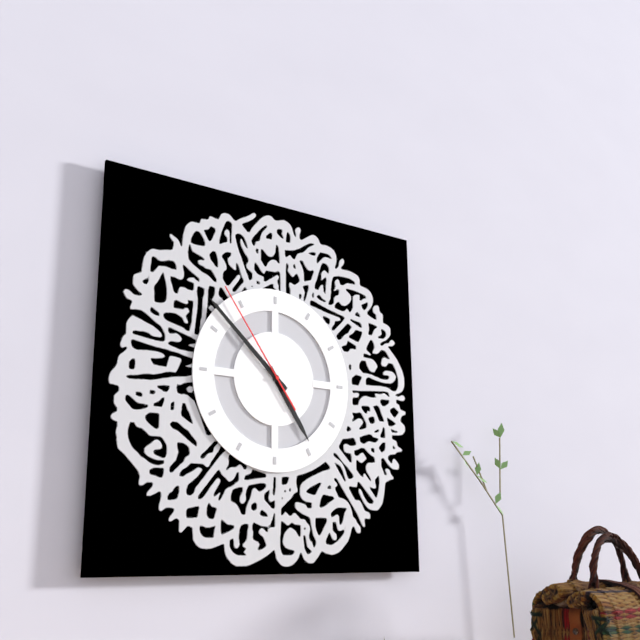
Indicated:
h=4 m=52 s=54
